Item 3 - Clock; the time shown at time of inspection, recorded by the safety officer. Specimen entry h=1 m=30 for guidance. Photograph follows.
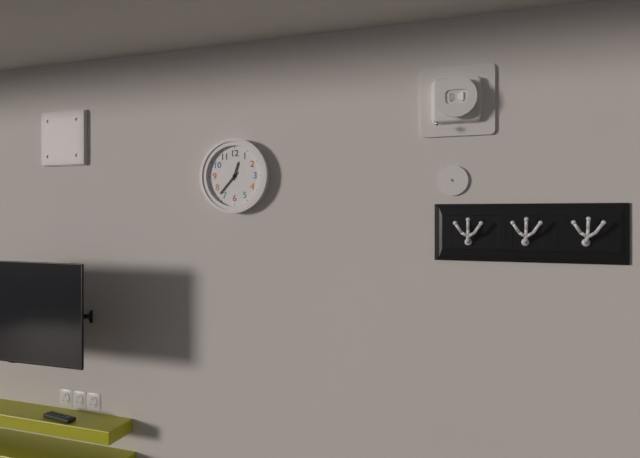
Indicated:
h=12 m=37
